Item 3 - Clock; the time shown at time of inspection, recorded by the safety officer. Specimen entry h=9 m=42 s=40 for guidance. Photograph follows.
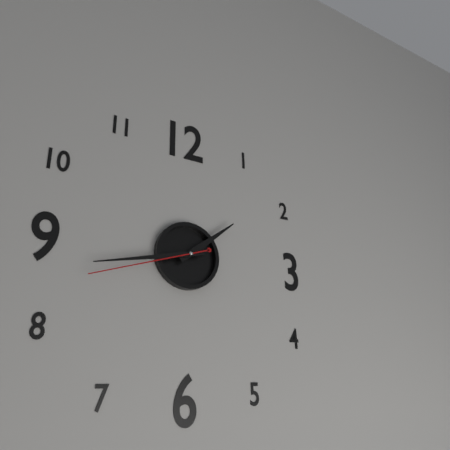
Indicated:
h=1 m=43 s=42
